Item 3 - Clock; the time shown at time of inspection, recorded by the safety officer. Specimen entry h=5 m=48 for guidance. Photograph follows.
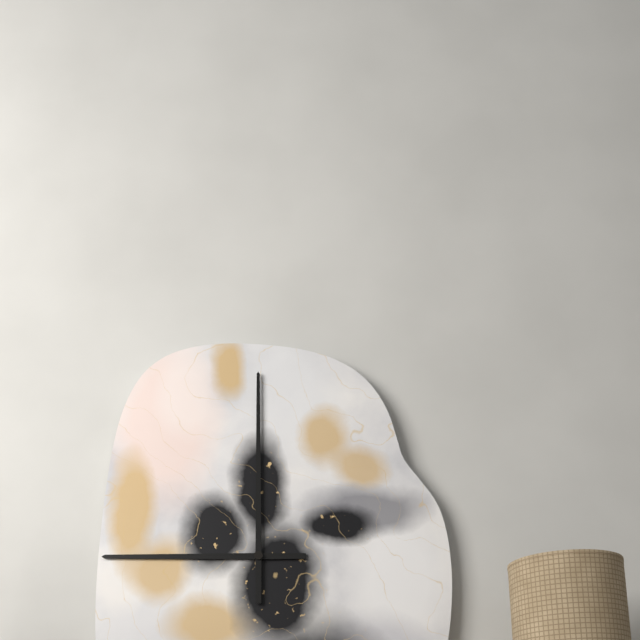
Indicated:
h=9 m=0
